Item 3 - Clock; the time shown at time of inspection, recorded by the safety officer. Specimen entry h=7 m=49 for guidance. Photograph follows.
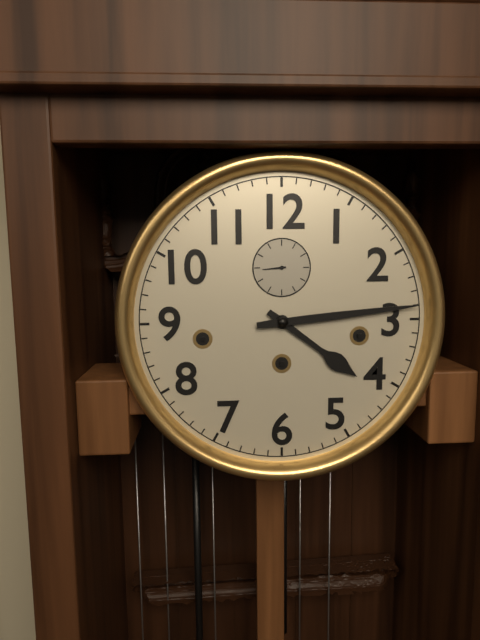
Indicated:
h=4 m=14
